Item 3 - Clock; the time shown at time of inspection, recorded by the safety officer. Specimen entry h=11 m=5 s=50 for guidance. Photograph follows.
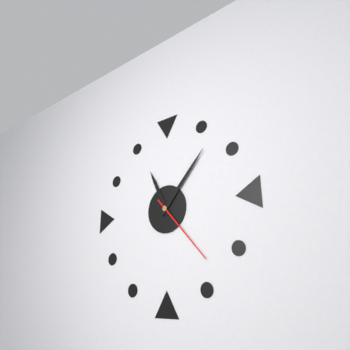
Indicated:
h=11 m=7 s=23
